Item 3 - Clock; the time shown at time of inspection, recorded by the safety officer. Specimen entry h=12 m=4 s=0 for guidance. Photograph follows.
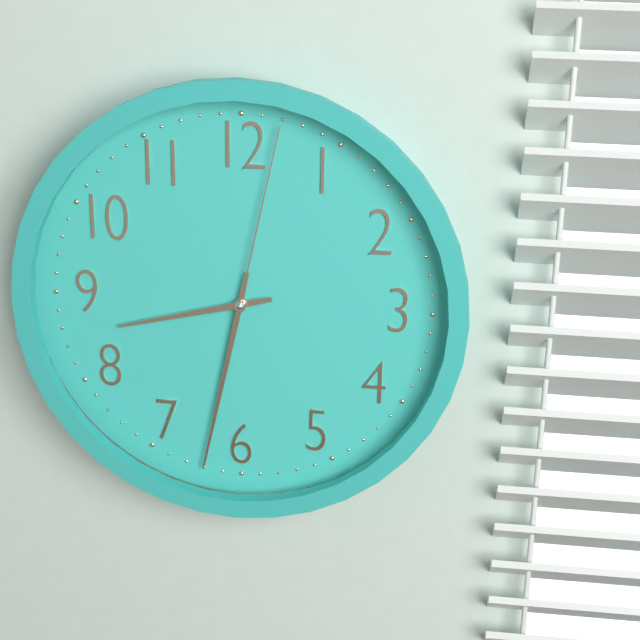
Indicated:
h=8 m=32 s=2
